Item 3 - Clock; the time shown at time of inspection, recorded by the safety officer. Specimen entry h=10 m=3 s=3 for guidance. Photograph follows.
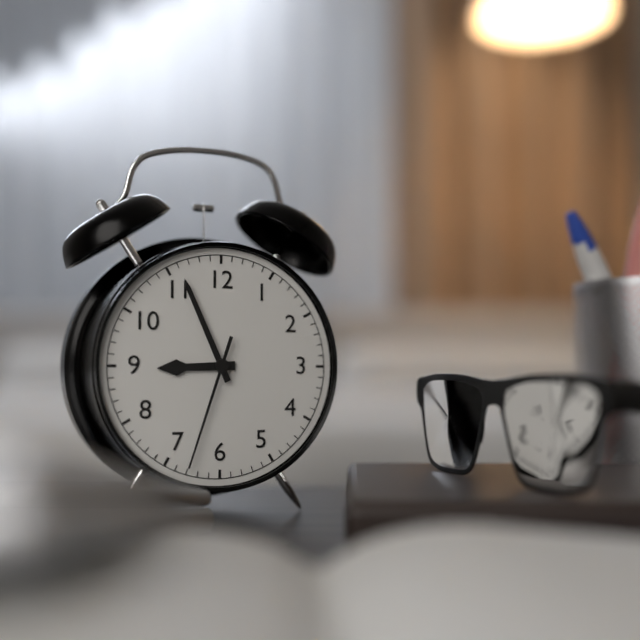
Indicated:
h=8 m=56 s=33
